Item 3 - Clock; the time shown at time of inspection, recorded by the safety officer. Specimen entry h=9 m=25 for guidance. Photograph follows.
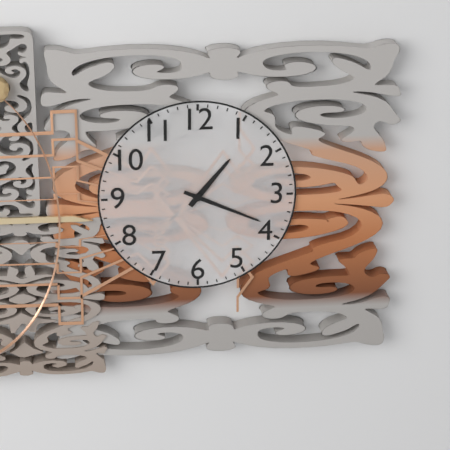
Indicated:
h=1 m=19
